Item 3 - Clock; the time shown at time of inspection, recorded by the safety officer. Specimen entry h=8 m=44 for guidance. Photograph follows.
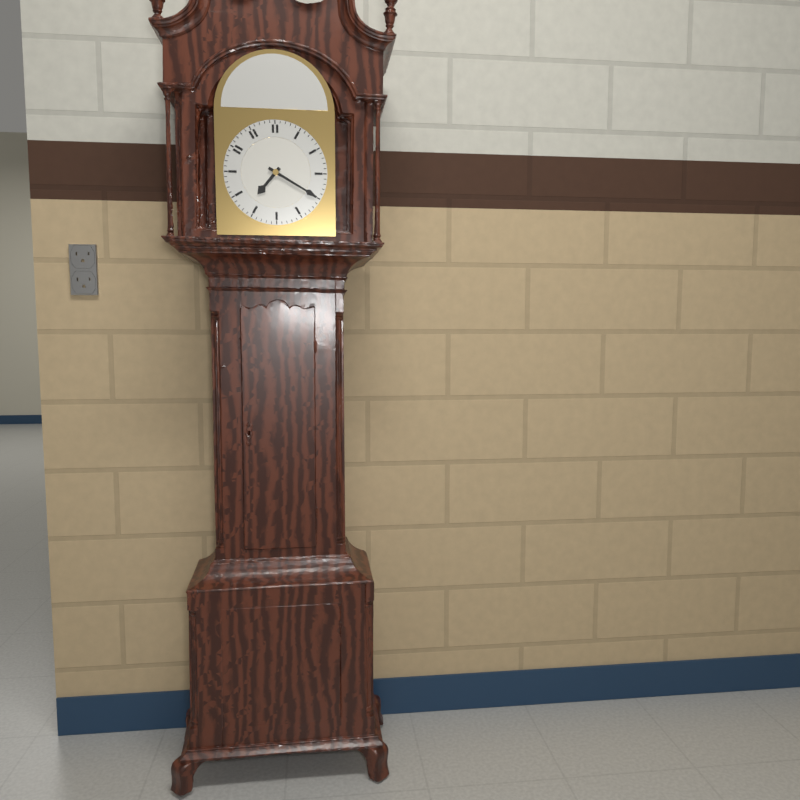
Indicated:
h=7 m=20
